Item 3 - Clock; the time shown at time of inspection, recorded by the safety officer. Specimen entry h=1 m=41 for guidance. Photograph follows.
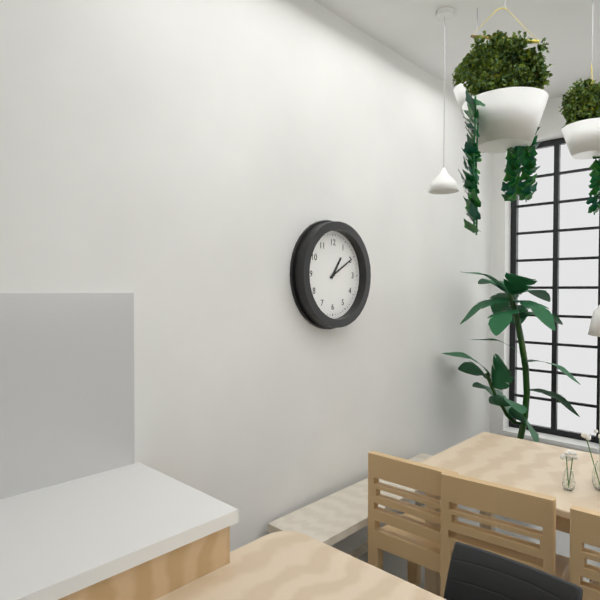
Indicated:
h=1 m=10
